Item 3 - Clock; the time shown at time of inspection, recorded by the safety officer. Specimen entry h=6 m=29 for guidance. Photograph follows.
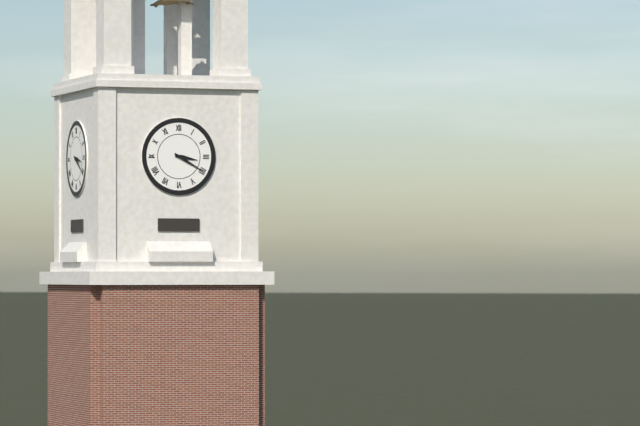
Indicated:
h=3 m=20
